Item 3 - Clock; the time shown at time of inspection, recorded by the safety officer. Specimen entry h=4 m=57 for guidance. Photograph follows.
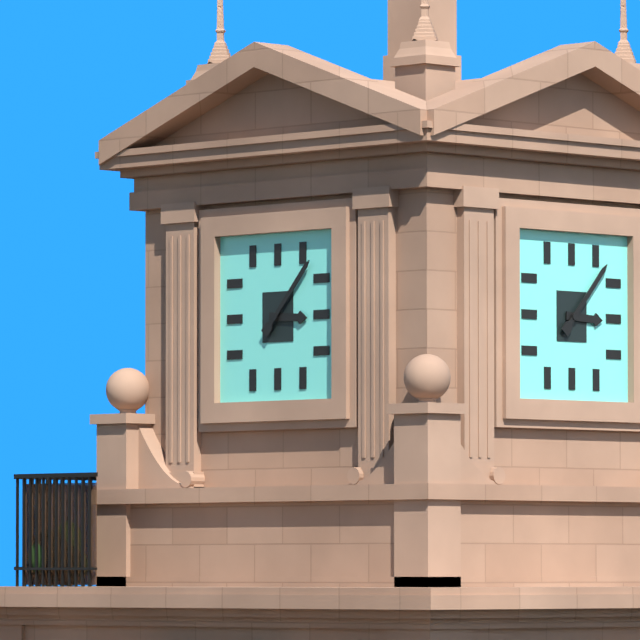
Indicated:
h=3 m=7
